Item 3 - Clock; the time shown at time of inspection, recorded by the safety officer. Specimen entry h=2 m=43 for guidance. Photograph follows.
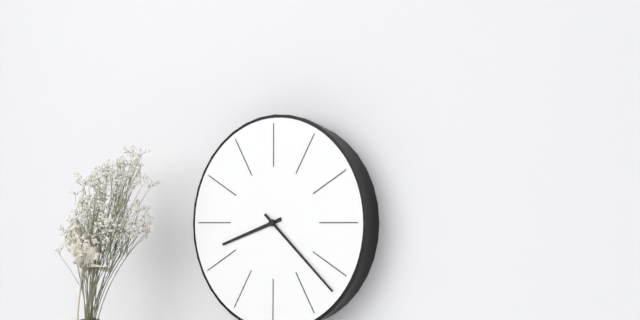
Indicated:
h=8 m=22
